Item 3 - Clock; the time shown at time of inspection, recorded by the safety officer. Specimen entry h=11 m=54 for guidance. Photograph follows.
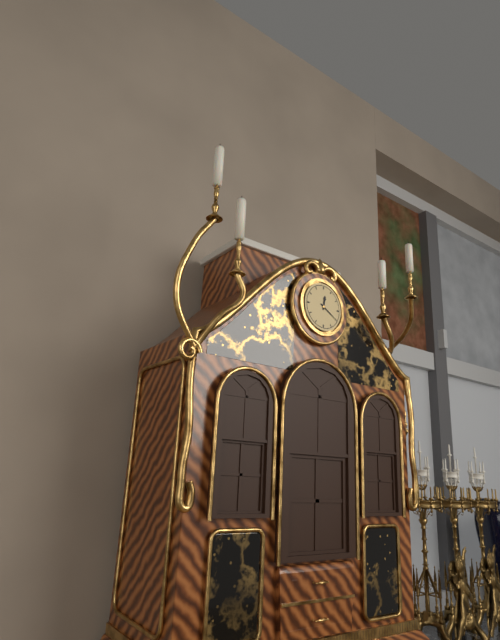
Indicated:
h=12 m=20
